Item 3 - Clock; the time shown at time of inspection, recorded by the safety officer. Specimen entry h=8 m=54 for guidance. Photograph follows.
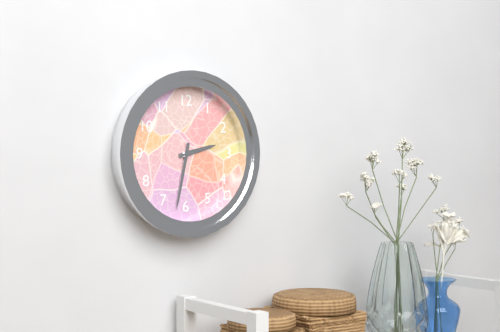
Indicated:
h=2 m=32
